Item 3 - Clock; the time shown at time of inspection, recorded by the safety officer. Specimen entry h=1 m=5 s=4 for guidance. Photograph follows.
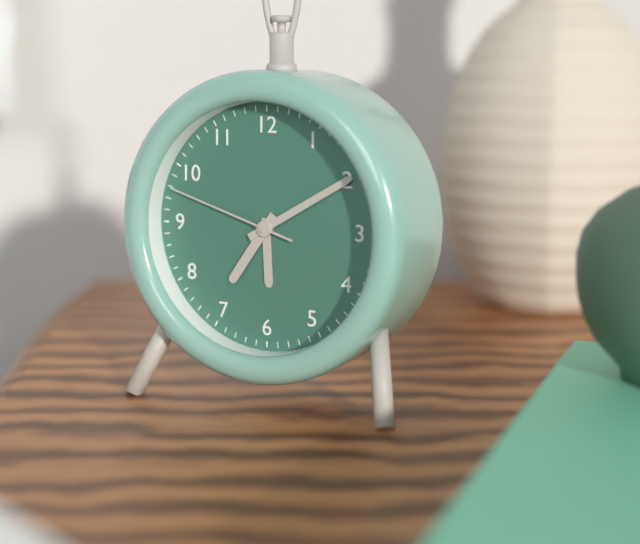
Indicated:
h=7 m=10 s=48
